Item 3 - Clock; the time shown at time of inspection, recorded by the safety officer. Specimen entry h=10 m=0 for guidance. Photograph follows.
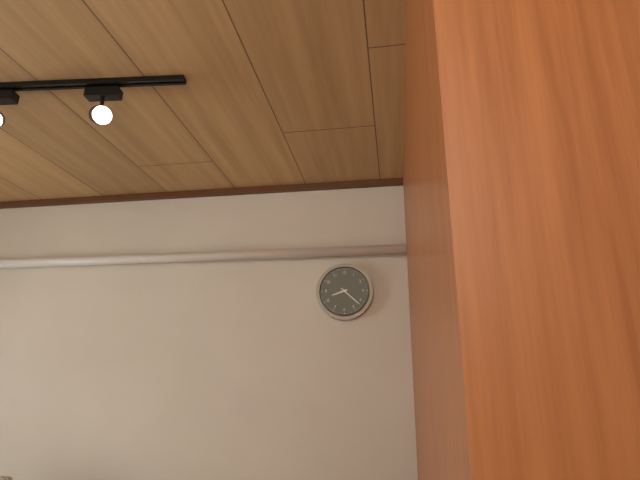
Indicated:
h=8 m=22
